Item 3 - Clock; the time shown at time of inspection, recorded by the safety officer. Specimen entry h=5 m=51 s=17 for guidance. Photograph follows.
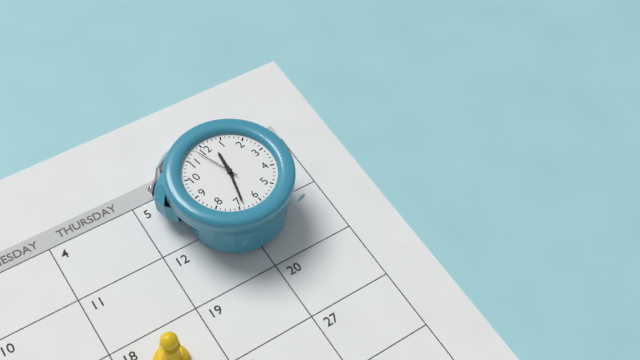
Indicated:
h=12 m=34 s=58
